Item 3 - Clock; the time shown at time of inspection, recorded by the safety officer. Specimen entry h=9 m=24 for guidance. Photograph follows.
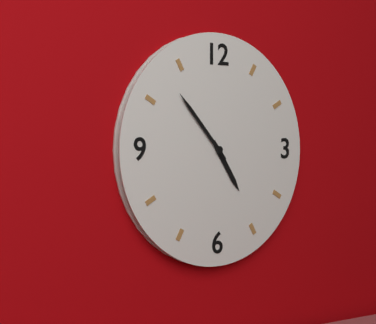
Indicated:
h=4 m=53
